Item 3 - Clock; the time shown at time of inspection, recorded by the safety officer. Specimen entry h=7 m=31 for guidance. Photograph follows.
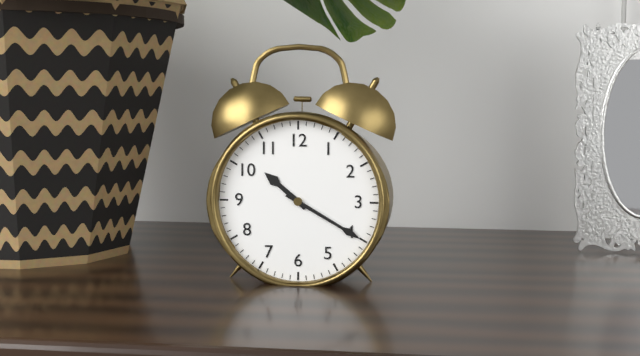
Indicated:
h=10 m=20
